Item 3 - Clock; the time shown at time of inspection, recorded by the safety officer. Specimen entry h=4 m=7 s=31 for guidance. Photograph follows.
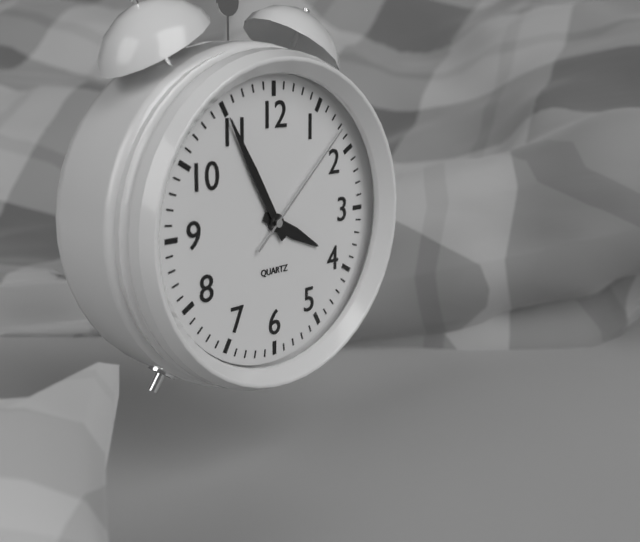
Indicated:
h=3 m=55 s=8
